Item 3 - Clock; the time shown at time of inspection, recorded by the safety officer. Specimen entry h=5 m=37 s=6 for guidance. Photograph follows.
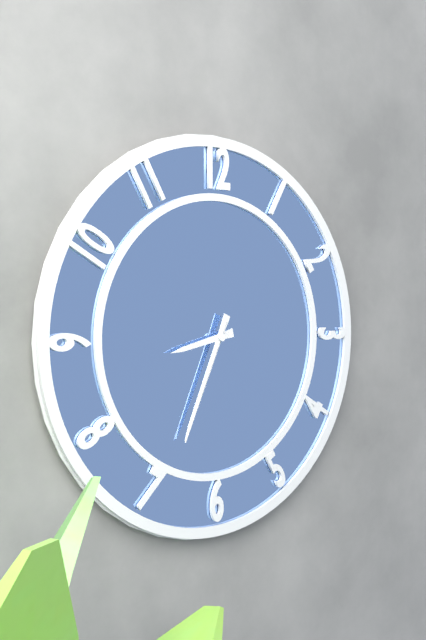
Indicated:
h=8 m=34 s=34
